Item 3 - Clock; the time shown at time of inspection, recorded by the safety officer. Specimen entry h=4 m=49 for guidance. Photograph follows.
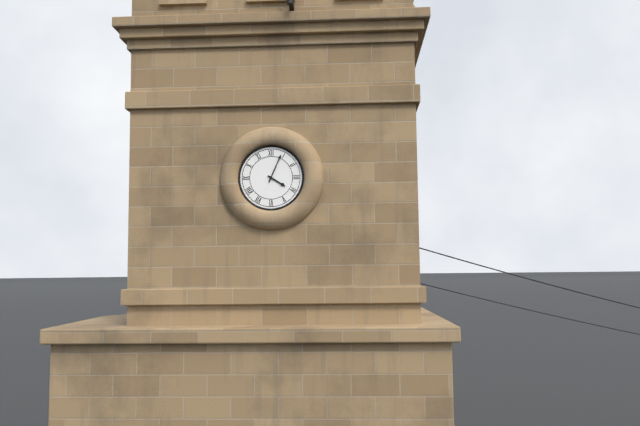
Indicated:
h=4 m=4
